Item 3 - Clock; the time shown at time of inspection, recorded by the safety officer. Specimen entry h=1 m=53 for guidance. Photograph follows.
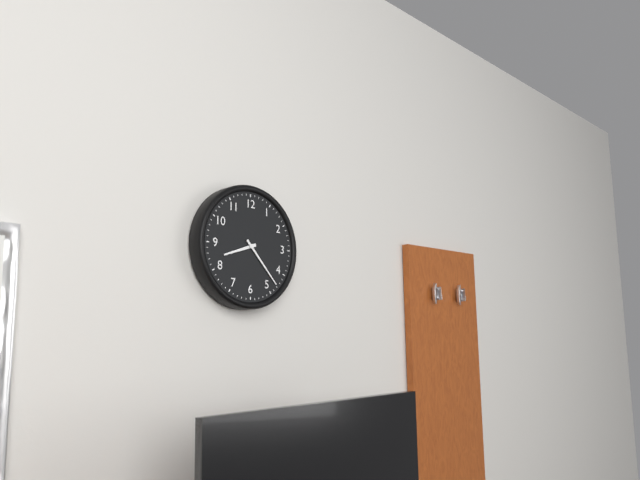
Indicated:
h=8 m=23
